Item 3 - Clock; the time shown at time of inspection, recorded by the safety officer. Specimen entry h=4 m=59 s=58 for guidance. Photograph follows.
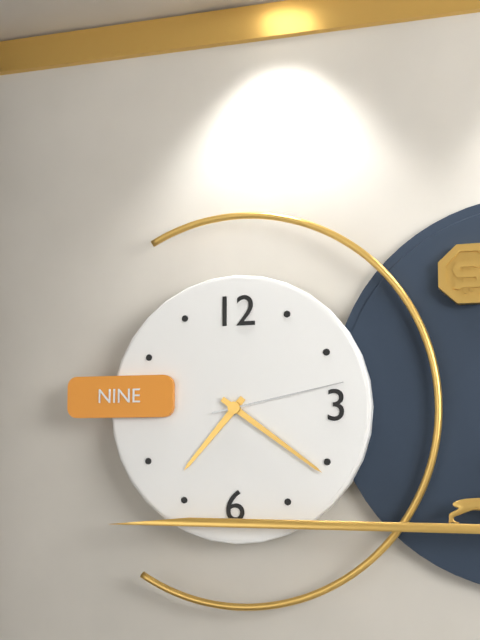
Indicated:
h=7 m=21 s=13
